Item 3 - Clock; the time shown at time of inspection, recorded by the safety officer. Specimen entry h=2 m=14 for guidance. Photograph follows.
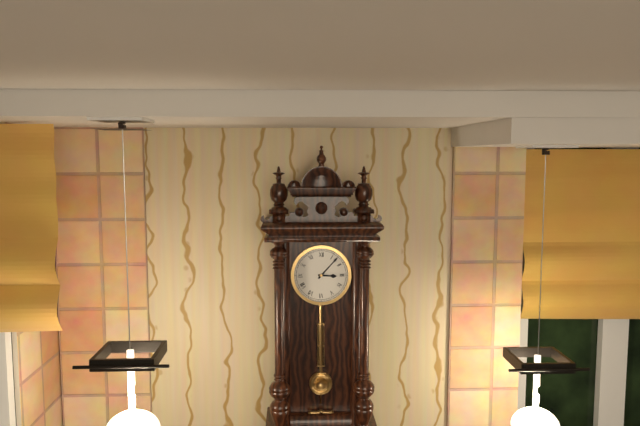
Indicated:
h=3 m=7
